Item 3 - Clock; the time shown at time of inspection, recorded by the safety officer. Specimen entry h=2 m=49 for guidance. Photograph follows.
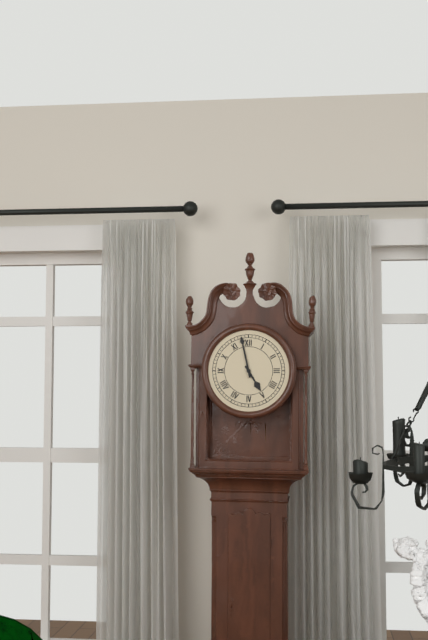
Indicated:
h=4 m=58
